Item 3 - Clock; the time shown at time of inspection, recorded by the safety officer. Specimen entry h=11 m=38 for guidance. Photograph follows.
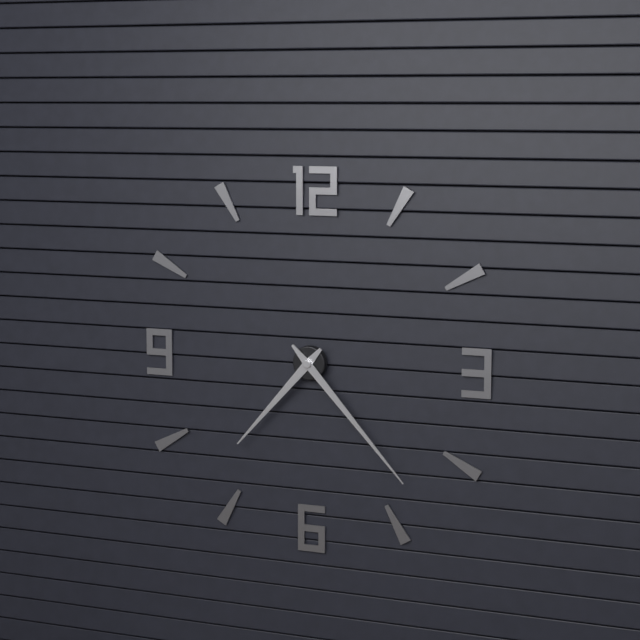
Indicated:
h=7 m=23
